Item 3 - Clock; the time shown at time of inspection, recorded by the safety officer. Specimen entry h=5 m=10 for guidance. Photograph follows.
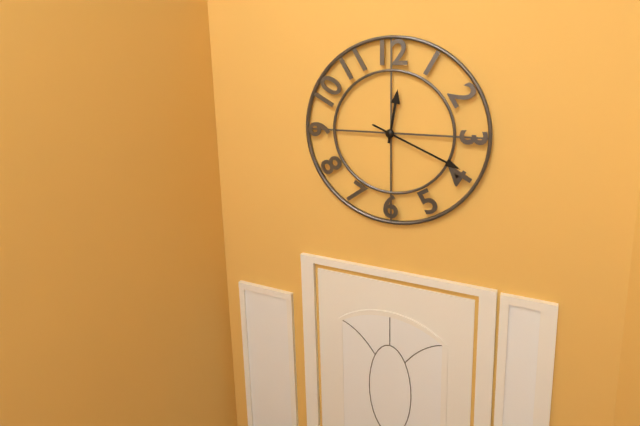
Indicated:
h=12 m=19
